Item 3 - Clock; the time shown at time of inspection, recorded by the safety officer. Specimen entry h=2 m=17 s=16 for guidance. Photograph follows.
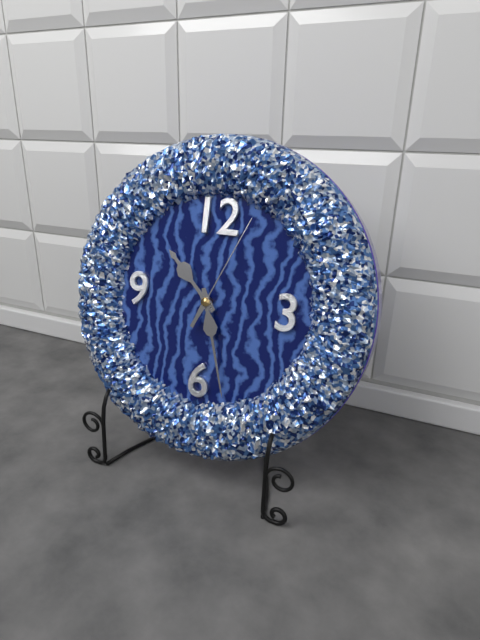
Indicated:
h=10 m=27 s=4
